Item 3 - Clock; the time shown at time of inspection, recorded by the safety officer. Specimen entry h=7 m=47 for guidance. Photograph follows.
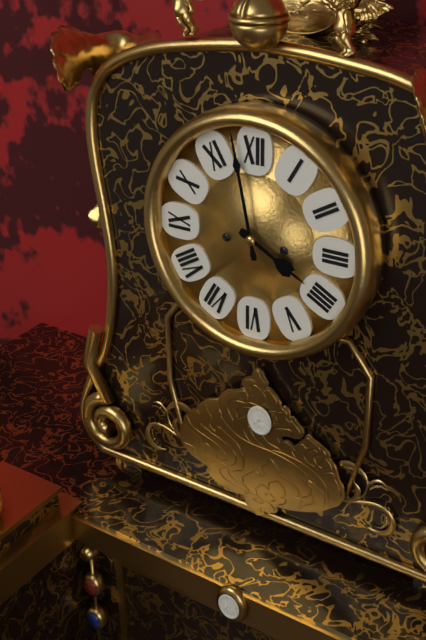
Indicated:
h=3 m=58
